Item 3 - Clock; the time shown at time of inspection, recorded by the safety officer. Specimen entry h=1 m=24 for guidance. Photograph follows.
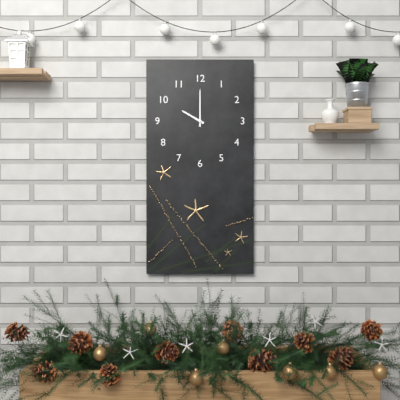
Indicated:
h=10 m=0
